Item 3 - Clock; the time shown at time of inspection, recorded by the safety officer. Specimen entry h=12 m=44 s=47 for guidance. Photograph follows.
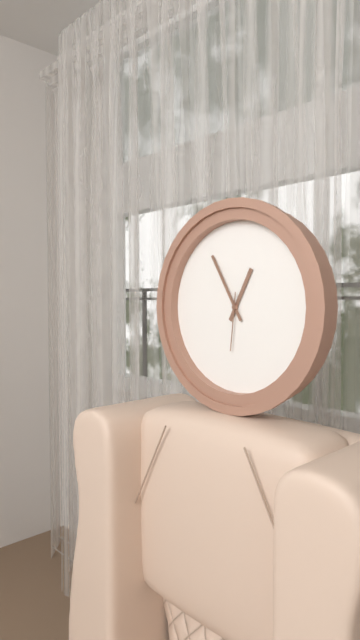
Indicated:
h=12 m=55 s=31
